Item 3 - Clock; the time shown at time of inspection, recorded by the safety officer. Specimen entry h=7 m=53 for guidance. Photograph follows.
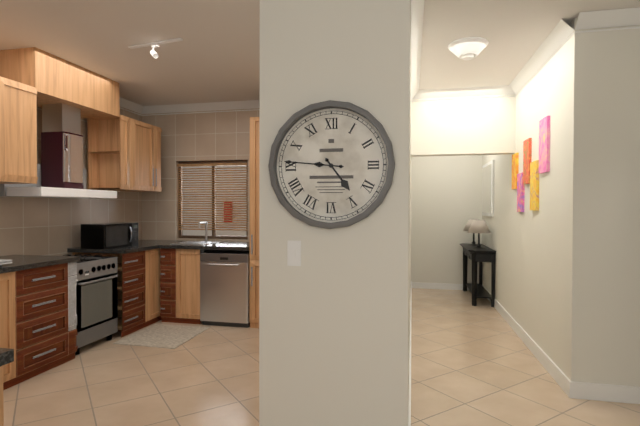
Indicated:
h=4 m=46
